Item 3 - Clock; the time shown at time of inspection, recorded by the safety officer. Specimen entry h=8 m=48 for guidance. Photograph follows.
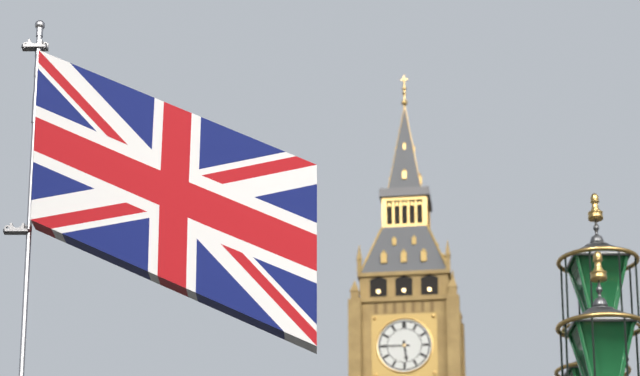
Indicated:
h=5 m=45
